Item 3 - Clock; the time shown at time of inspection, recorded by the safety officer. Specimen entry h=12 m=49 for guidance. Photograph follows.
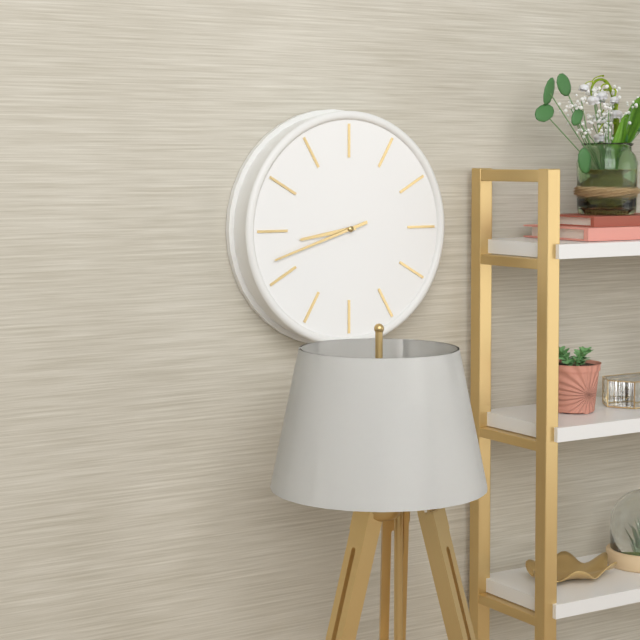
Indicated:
h=8 m=42
